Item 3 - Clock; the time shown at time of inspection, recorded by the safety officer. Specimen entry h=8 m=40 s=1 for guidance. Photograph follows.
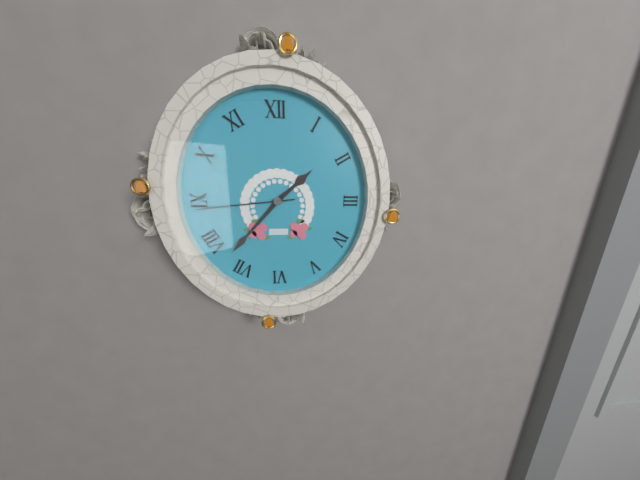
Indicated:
h=1 m=37 s=44
